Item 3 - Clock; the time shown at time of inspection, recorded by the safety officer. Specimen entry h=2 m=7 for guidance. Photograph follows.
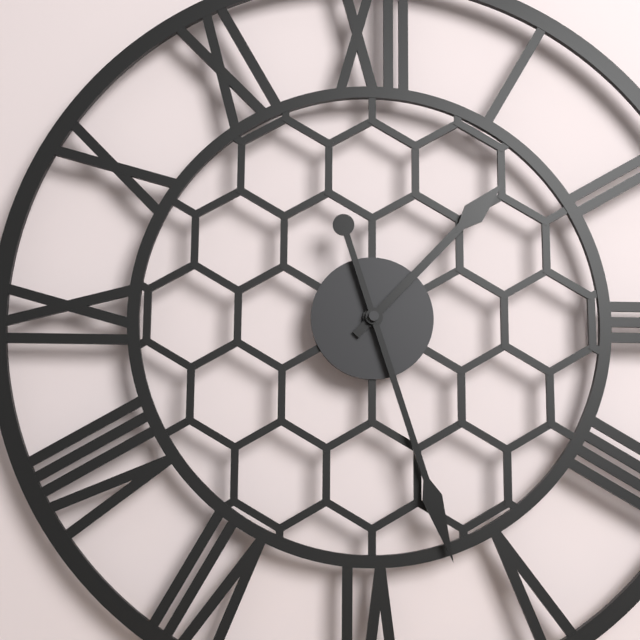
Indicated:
h=1 m=27
